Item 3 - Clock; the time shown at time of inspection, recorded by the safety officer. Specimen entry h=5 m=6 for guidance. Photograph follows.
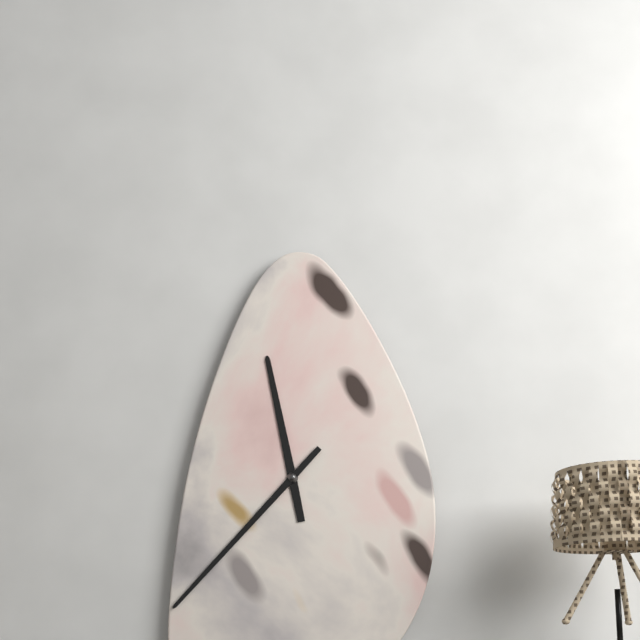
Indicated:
h=11 m=37
